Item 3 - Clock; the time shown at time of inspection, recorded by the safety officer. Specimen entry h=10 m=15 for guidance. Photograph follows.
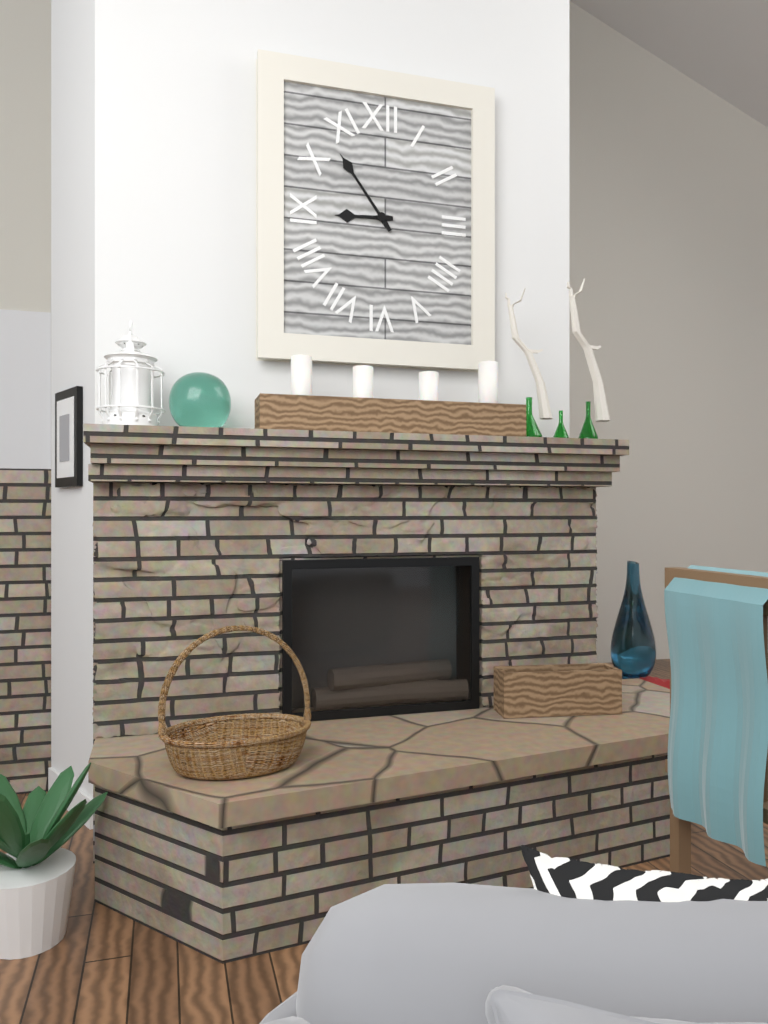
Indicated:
h=8 m=54
